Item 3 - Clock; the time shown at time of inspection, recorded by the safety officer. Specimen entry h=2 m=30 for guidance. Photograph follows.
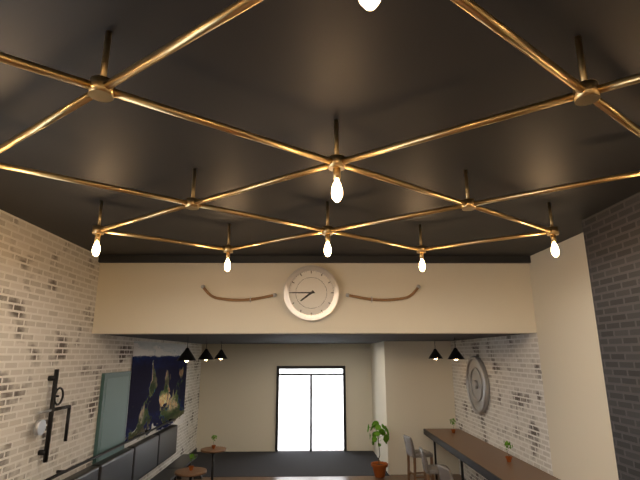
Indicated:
h=7 m=45
